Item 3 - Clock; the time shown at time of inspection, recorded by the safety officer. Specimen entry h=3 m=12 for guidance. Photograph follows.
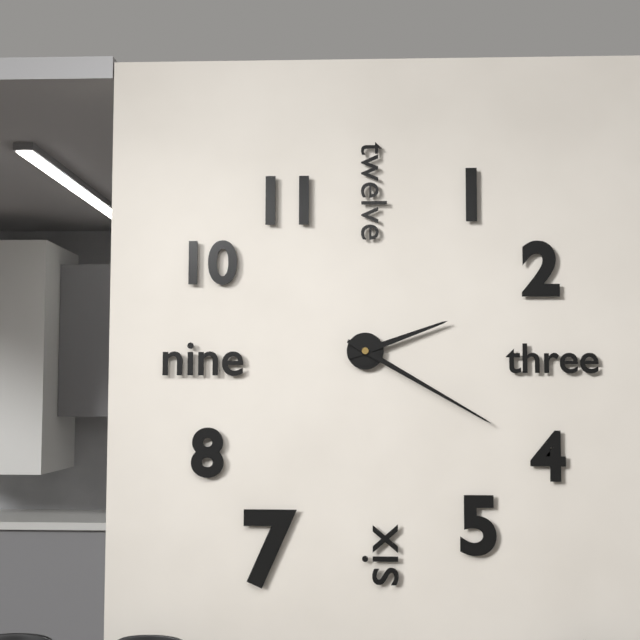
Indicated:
h=2 m=20
